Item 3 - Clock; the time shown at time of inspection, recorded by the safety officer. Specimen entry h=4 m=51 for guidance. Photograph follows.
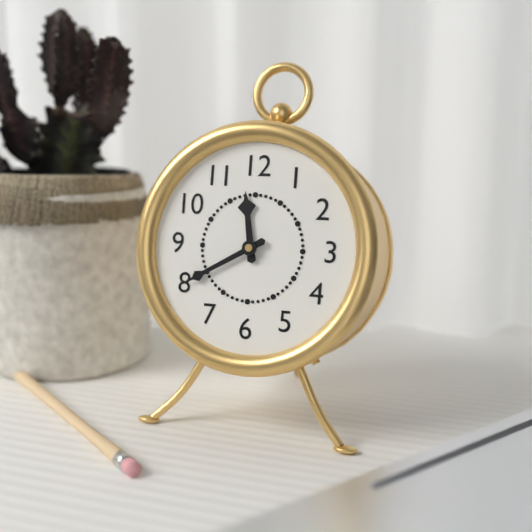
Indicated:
h=11 m=40
